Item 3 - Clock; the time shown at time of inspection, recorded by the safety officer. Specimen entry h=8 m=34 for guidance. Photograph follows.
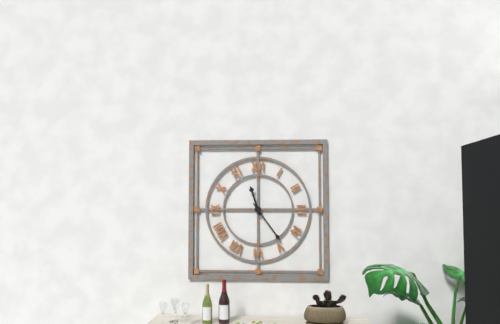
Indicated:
h=11 m=24
